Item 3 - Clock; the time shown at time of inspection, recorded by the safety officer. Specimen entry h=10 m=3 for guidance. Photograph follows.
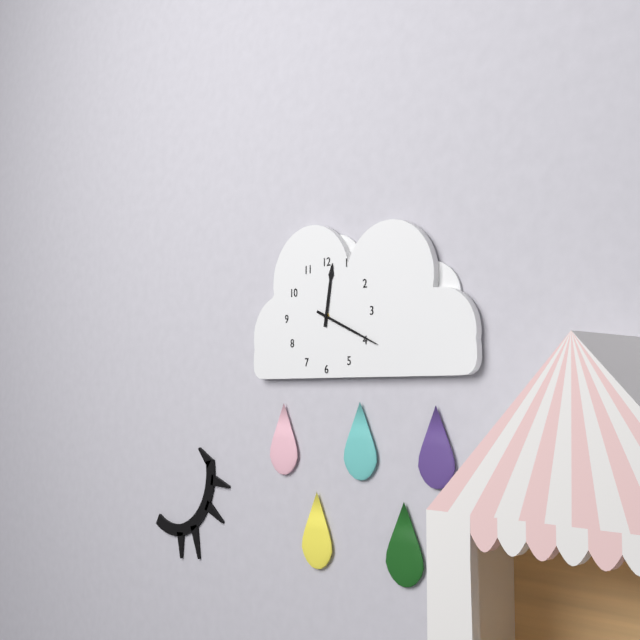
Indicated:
h=12 m=19
